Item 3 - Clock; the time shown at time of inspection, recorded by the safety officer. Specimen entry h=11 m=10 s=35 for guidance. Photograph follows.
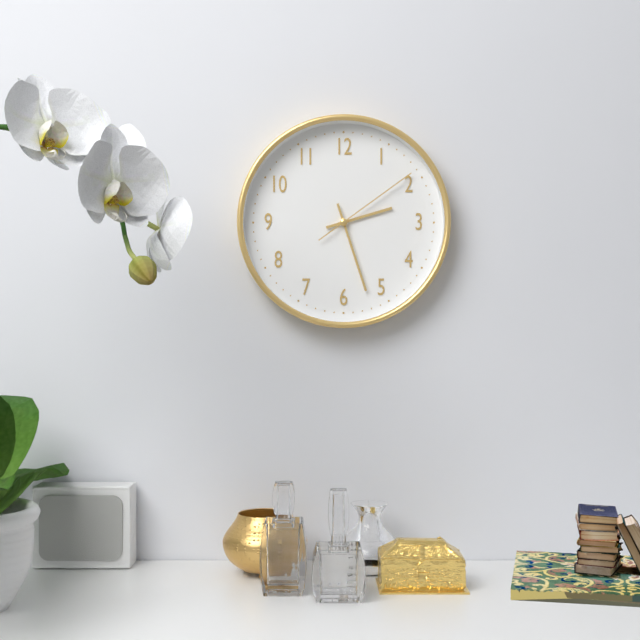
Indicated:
h=2 m=27 s=9
